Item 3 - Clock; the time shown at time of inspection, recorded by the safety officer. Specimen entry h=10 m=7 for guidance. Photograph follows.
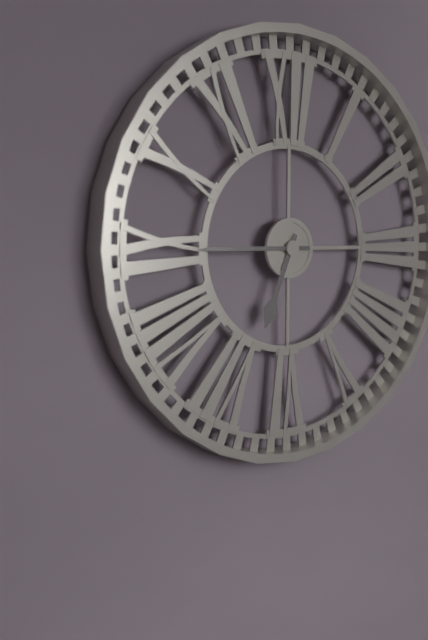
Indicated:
h=6 m=45
